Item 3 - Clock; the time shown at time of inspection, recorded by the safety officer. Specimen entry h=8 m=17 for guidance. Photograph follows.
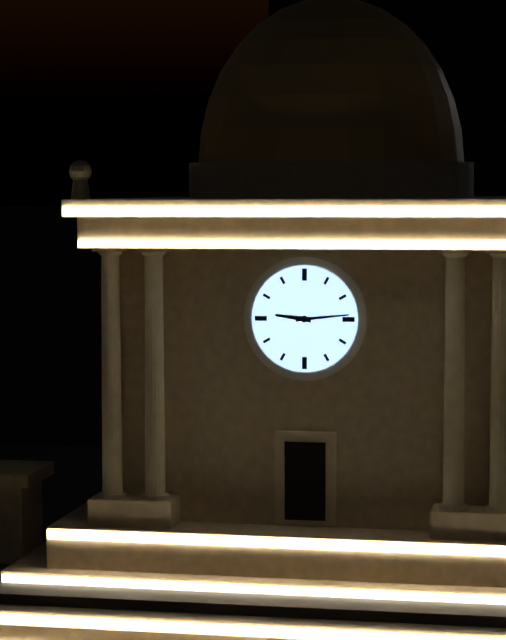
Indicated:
h=9 m=14
